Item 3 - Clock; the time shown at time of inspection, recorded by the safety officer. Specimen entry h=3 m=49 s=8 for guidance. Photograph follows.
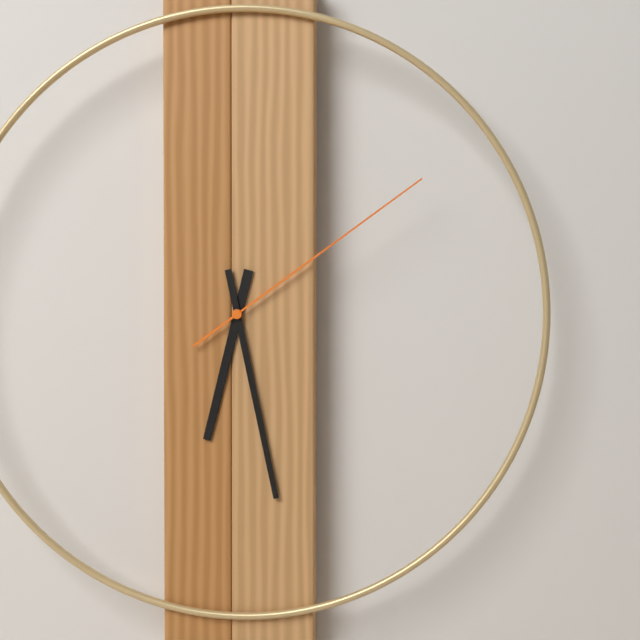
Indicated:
h=6 m=28 s=9
